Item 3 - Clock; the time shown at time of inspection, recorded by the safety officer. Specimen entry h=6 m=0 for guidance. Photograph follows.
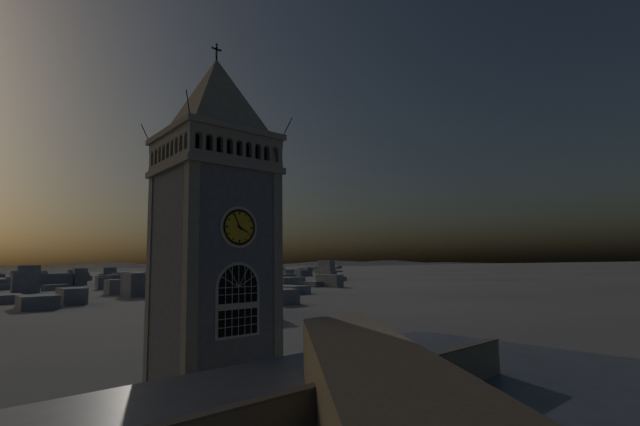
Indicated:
h=3 m=56
